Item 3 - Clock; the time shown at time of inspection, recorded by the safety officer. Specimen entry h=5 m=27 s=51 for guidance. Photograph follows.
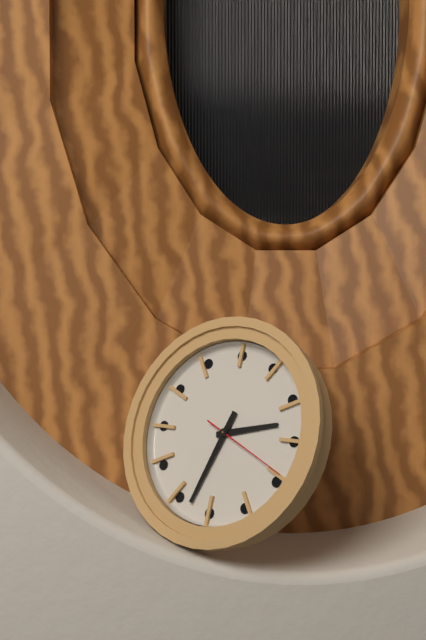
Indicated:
h=2 m=33 s=19
